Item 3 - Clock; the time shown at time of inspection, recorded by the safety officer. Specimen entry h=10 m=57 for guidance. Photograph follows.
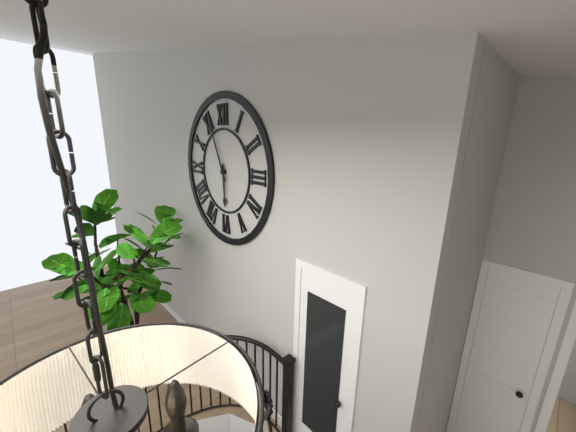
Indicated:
h=5 m=56
